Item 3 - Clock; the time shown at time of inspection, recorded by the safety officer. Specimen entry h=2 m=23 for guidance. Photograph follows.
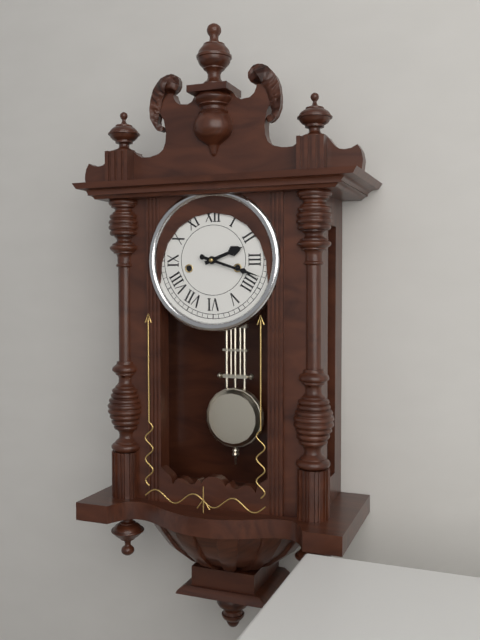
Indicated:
h=2 m=18
